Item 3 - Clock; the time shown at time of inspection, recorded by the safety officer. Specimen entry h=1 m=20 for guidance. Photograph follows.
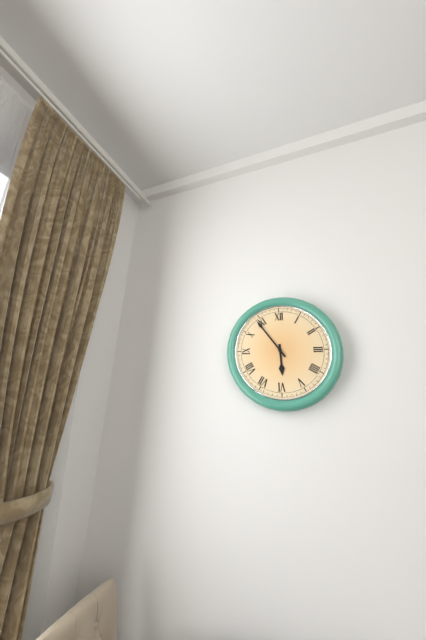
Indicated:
h=5 m=54
